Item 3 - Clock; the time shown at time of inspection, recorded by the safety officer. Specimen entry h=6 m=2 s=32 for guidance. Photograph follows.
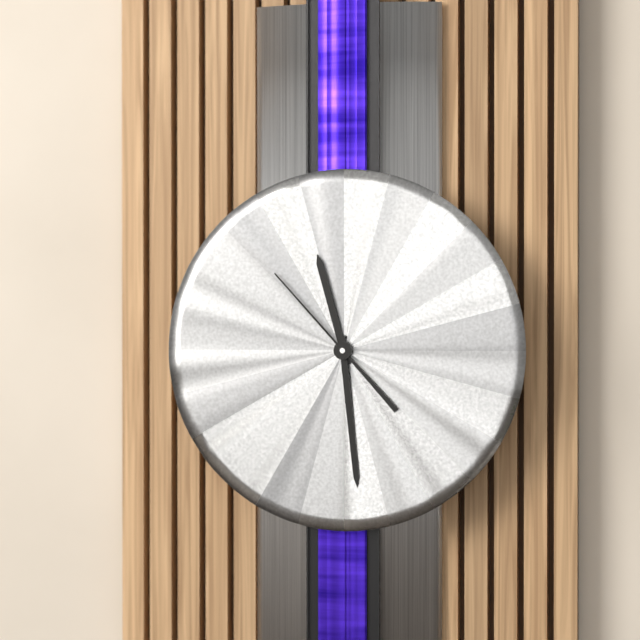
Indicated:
h=11 m=29 s=53
